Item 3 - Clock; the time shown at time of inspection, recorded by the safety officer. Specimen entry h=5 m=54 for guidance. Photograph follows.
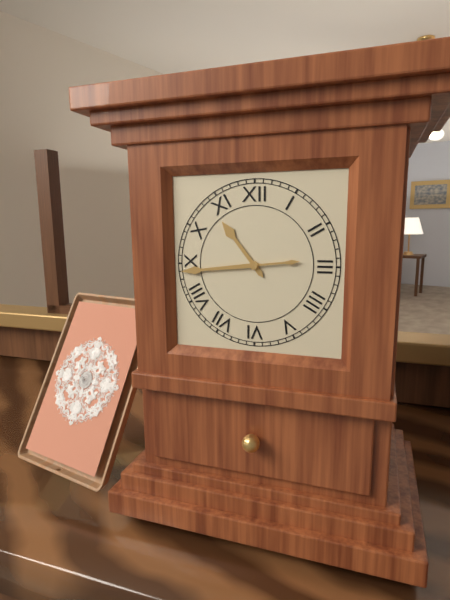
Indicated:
h=10 m=44
